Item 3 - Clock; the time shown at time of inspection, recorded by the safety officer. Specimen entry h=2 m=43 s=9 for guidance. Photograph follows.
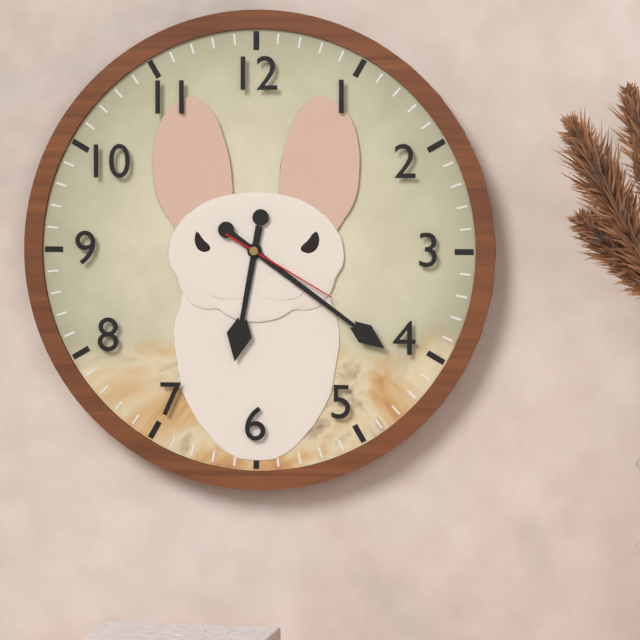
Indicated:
h=6 m=21 s=20
